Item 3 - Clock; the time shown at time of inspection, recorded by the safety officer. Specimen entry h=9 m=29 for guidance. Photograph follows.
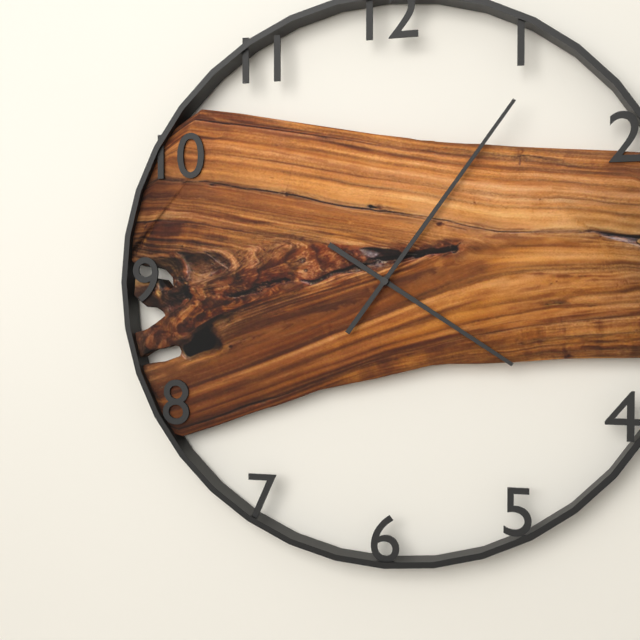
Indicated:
h=4 m=6
